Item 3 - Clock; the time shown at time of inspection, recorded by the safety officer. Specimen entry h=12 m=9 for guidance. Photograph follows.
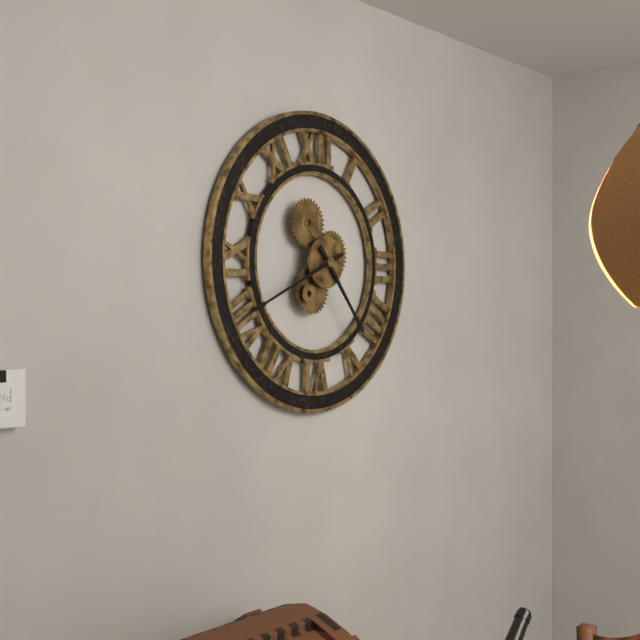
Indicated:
h=4 m=41
